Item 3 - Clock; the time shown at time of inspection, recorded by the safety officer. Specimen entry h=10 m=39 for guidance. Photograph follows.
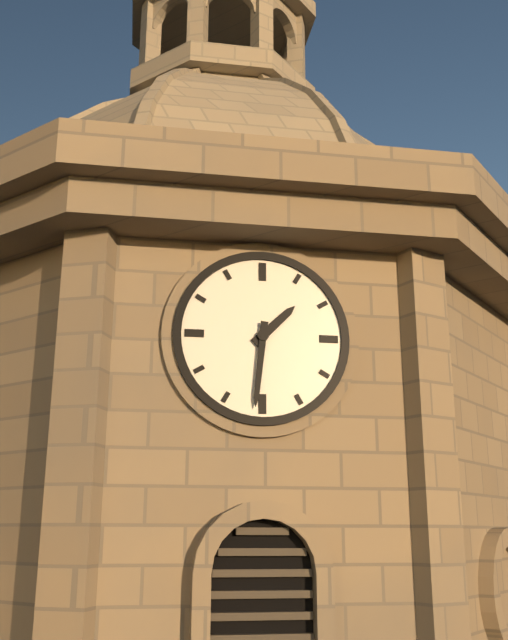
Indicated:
h=1 m=31
